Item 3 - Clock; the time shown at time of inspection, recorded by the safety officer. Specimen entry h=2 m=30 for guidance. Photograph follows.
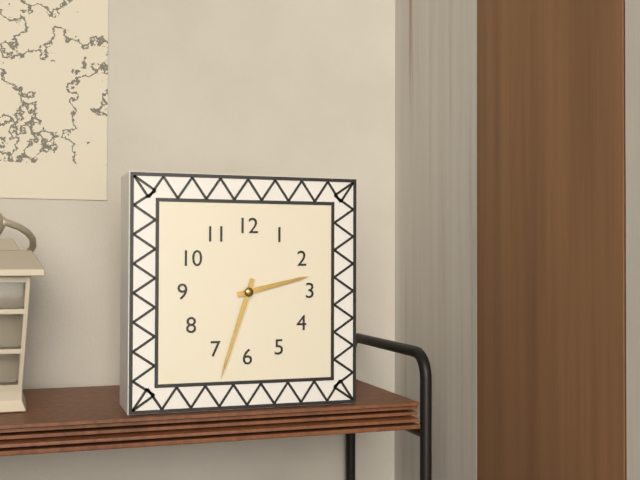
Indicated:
h=2 m=33
